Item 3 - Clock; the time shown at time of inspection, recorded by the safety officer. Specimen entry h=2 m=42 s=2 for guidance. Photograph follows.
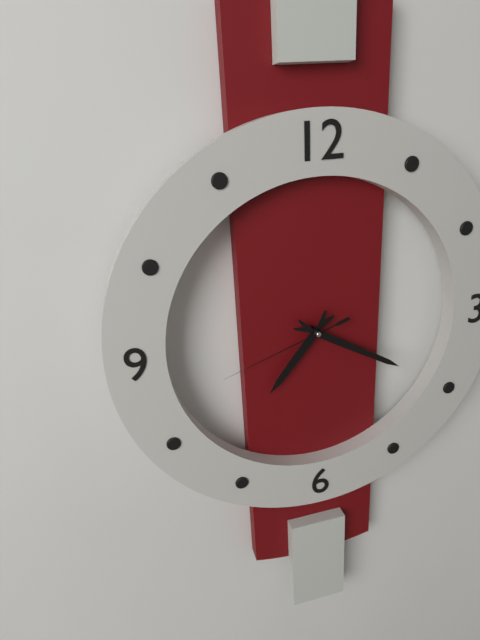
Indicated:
h=7 m=20 s=42
